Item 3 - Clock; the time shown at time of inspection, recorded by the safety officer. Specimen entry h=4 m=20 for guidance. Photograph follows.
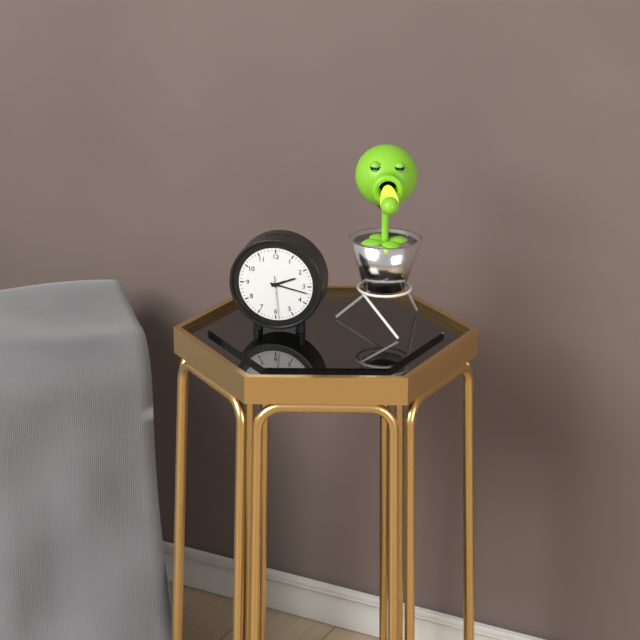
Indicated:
h=2 m=17
